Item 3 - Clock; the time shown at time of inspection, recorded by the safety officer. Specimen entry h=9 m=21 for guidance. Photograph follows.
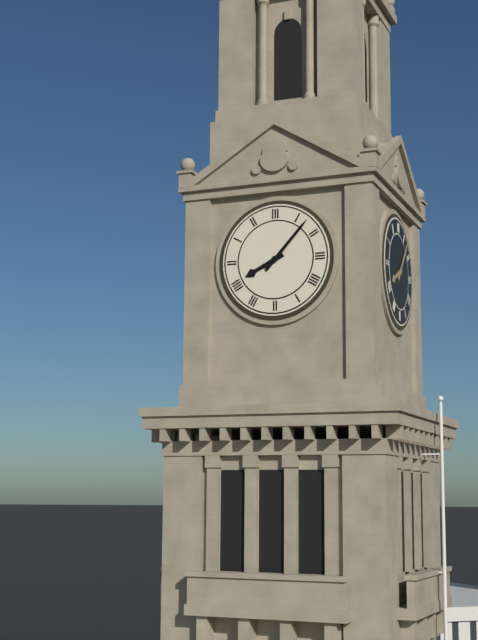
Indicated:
h=8 m=7
